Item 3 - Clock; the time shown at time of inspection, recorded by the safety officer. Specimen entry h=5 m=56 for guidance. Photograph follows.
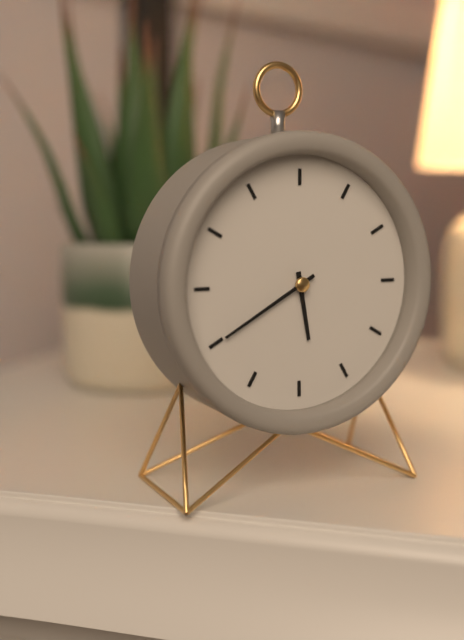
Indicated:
h=5 m=40
